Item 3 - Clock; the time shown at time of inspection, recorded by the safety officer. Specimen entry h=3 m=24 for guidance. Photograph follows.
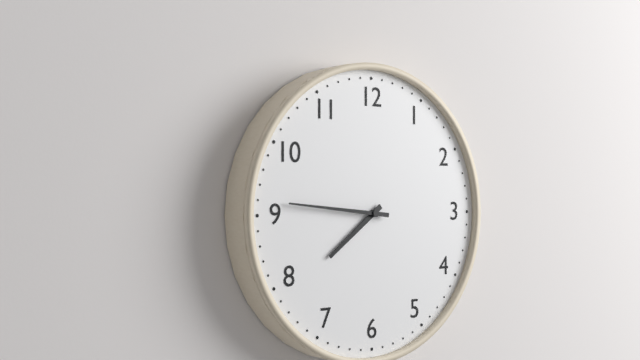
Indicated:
h=7 m=46
